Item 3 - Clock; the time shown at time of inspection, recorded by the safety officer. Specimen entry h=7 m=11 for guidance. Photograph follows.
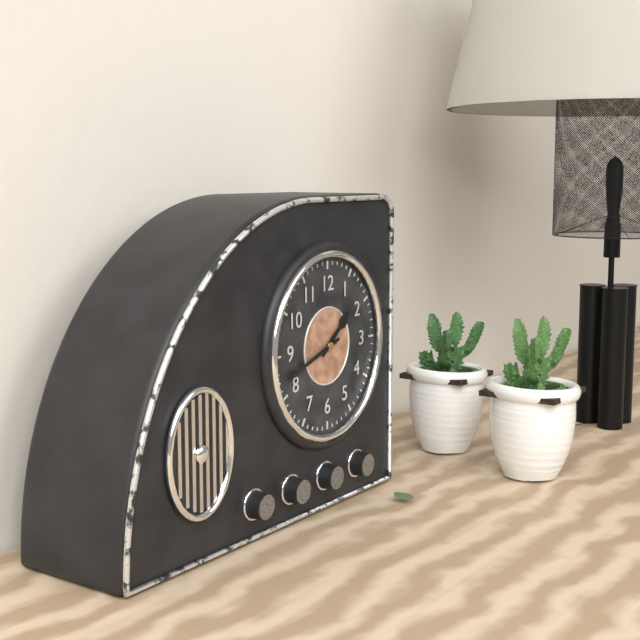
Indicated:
h=1 m=42
